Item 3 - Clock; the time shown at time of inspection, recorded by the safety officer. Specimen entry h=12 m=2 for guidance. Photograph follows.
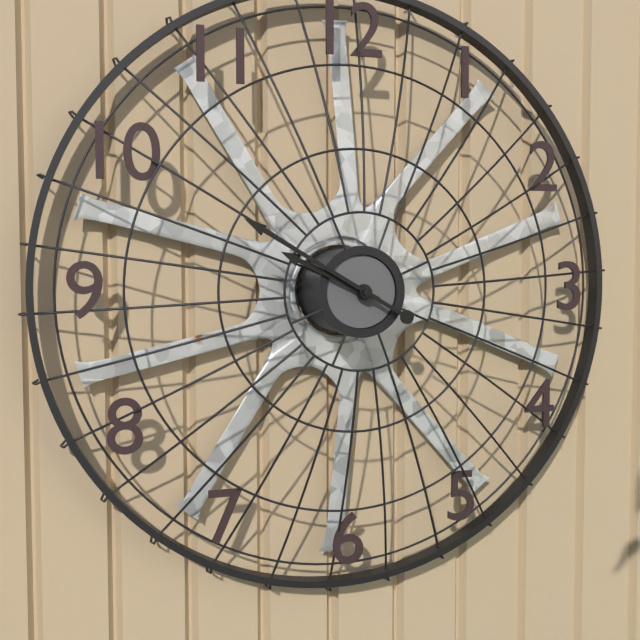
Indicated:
h=9 m=50
